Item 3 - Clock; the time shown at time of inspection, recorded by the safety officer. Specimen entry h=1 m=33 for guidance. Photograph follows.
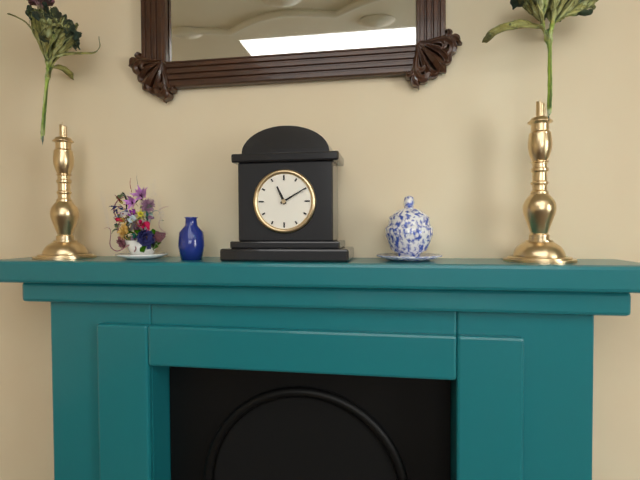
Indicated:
h=11 m=10
